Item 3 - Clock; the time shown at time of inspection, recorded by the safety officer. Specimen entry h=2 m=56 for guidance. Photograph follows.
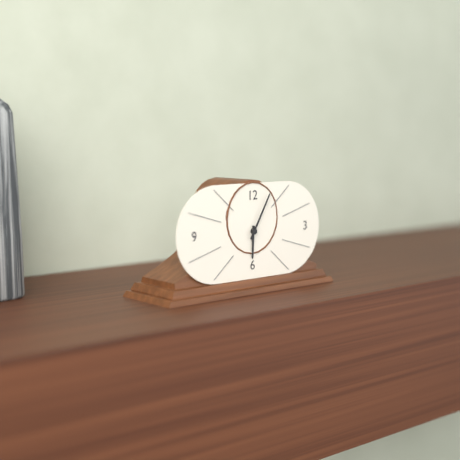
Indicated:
h=6 m=5
